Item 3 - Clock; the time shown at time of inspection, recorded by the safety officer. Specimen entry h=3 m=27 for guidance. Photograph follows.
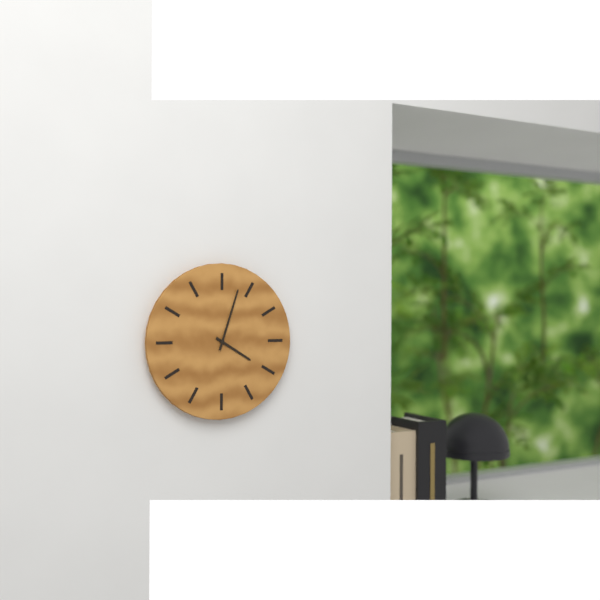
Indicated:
h=4 m=3
